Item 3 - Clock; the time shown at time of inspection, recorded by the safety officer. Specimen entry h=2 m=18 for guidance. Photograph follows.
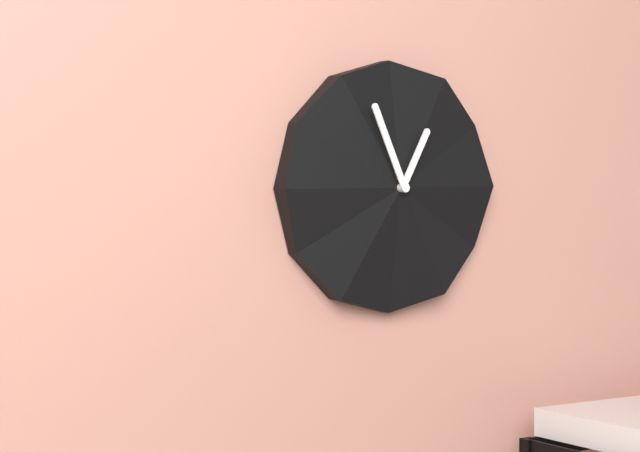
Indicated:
h=12 m=56
